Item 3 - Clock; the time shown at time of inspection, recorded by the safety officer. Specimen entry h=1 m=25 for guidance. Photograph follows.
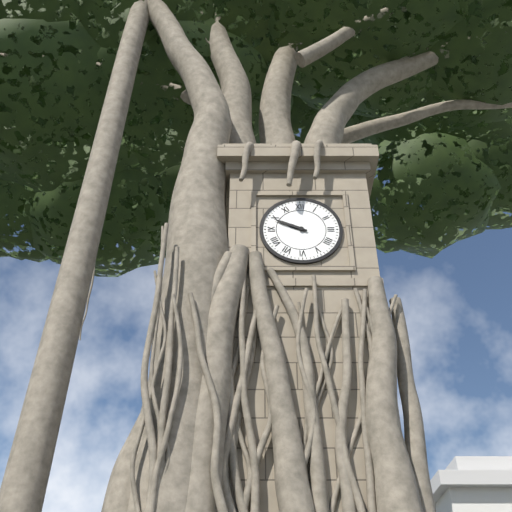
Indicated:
h=9 m=49
